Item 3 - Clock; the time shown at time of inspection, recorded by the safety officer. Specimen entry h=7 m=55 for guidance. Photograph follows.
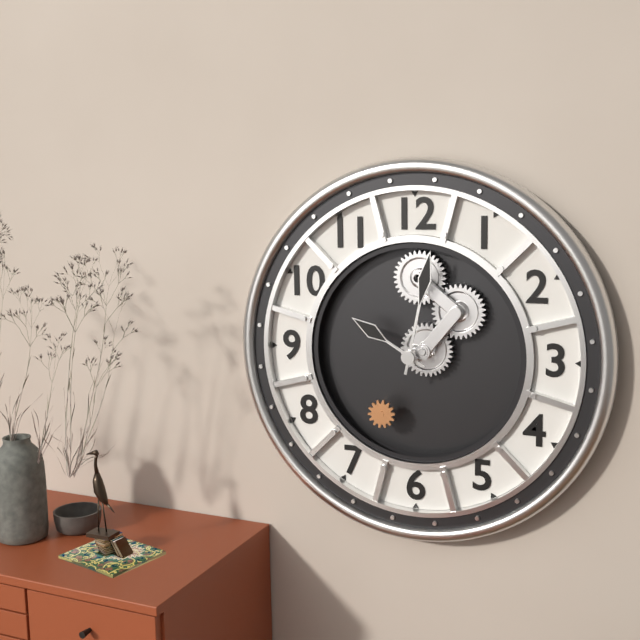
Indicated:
h=10 m=2
